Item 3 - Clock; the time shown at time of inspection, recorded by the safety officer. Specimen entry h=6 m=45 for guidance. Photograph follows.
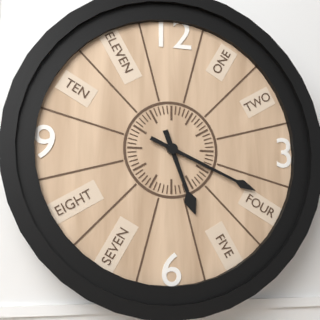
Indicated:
h=5 m=19
